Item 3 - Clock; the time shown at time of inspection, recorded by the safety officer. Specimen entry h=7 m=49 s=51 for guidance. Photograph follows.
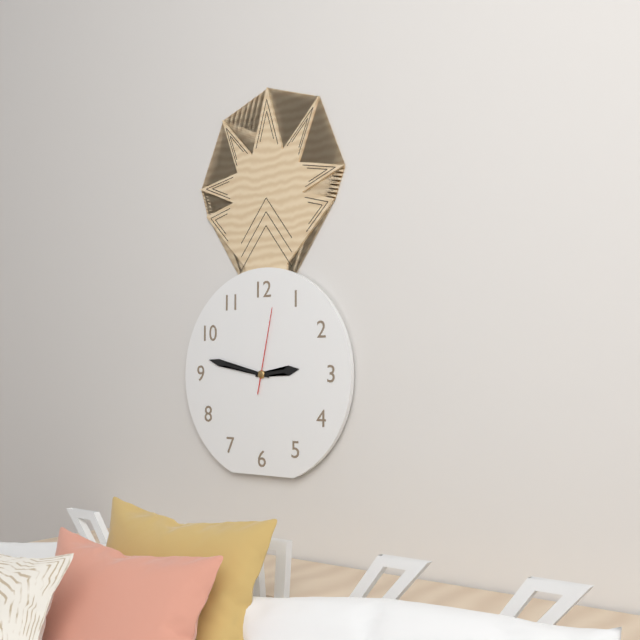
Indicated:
h=2 m=47 s=2
